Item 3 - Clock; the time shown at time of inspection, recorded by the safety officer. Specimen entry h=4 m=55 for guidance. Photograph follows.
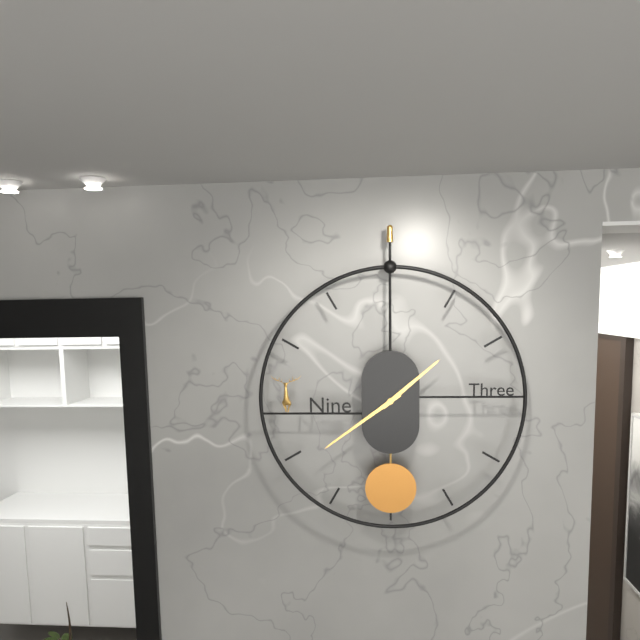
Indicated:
h=1 m=39
